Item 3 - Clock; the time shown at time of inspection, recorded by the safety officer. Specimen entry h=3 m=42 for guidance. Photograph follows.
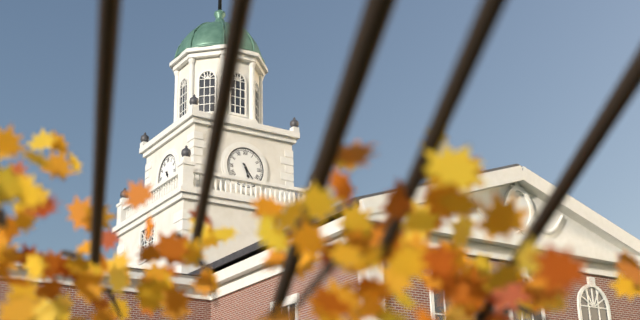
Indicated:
h=5 m=24
